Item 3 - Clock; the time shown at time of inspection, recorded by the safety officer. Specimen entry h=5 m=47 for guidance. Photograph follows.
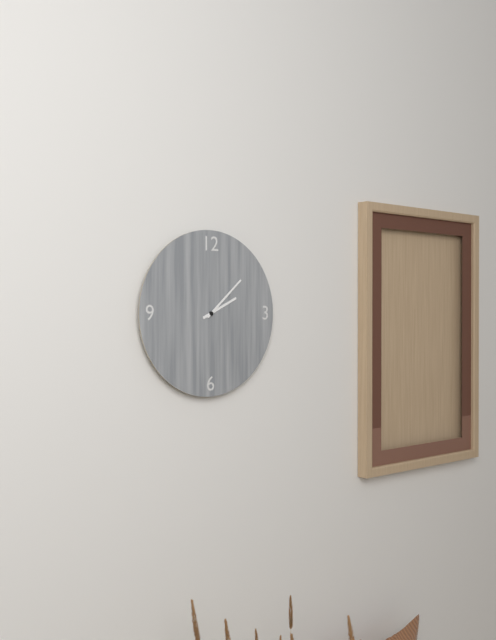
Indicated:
h=2 m=8
